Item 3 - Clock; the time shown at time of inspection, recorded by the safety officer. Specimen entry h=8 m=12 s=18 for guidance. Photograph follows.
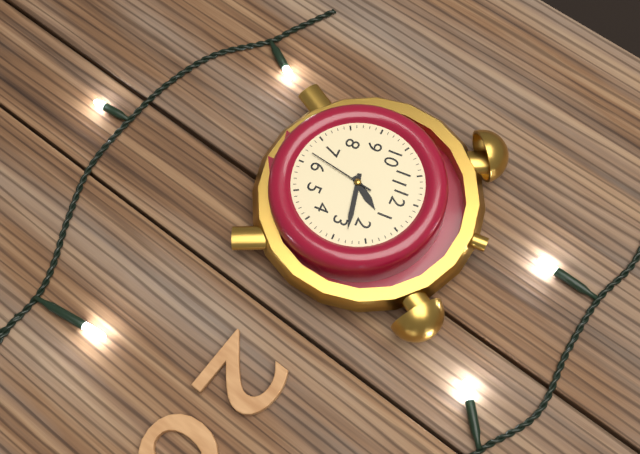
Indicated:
h=1 m=13 s=32
